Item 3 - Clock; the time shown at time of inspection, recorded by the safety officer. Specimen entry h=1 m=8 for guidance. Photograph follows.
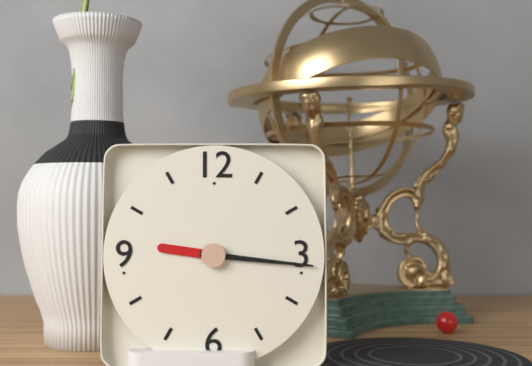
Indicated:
h=9 m=16
